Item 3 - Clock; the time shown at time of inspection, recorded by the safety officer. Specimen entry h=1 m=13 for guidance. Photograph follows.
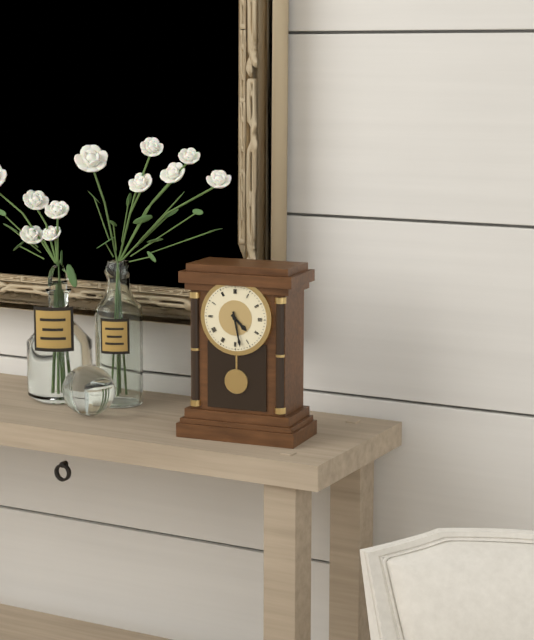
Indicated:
h=4 m=28
